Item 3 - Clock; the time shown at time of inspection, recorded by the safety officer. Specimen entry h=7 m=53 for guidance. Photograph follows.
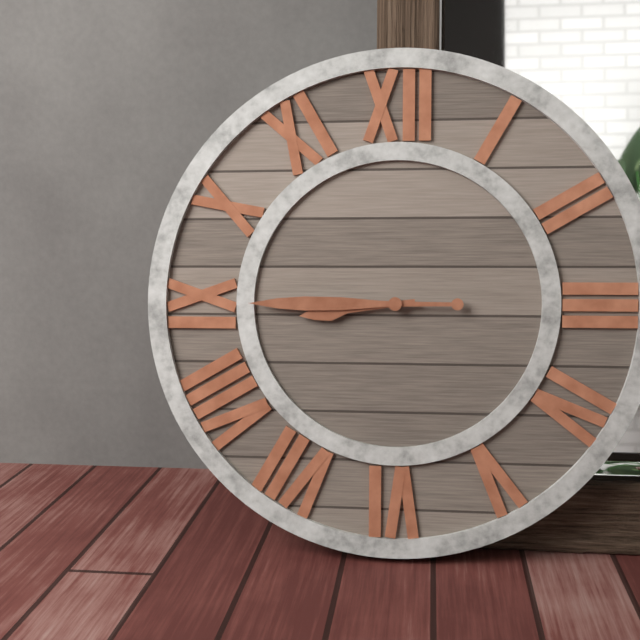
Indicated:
h=8 m=45
